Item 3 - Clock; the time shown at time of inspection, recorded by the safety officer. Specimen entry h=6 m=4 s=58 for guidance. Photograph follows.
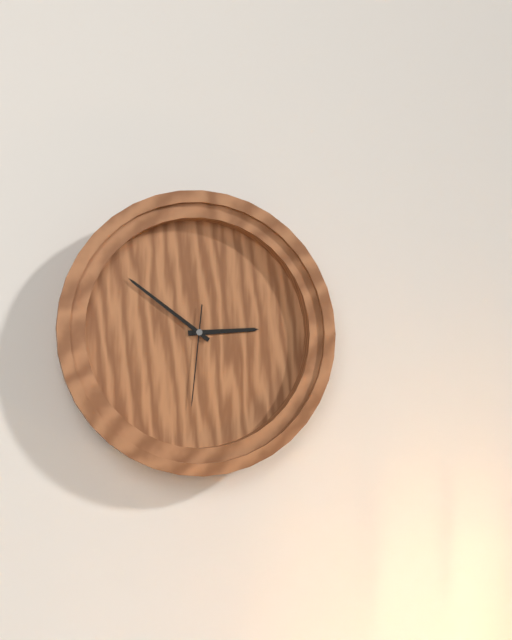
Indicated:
h=2 m=51 s=31
